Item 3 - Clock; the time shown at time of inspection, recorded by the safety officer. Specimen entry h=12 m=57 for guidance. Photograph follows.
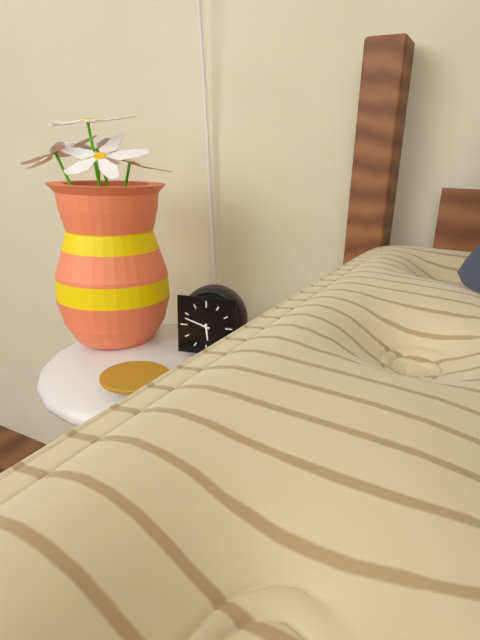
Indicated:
h=5 m=48
